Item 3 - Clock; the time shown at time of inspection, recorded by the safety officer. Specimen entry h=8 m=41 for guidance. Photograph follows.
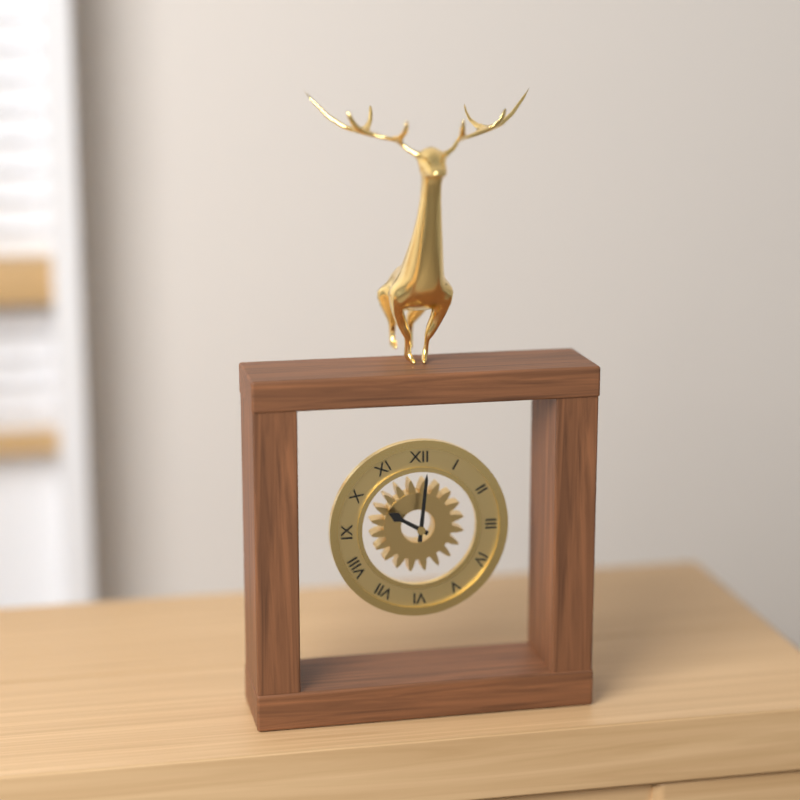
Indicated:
h=10 m=1
